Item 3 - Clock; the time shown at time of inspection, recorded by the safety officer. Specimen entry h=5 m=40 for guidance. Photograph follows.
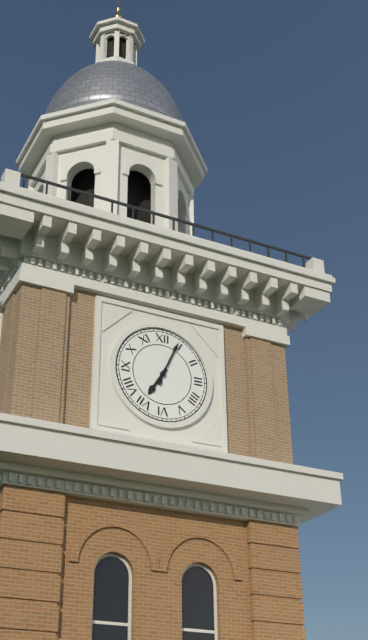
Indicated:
h=7 m=4
